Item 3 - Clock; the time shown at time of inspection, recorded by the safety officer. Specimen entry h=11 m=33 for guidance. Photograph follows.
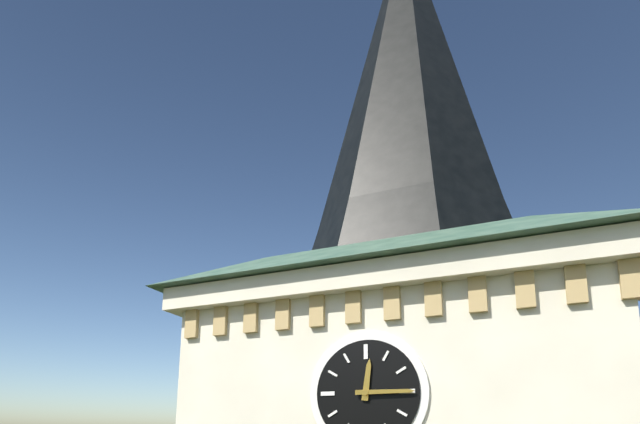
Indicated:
h=12 m=15
